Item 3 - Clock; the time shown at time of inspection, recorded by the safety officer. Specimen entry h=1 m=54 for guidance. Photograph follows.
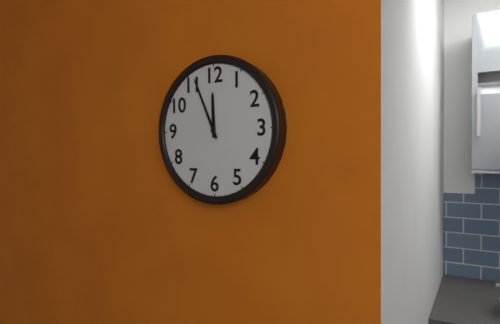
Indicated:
h=11 m=56
